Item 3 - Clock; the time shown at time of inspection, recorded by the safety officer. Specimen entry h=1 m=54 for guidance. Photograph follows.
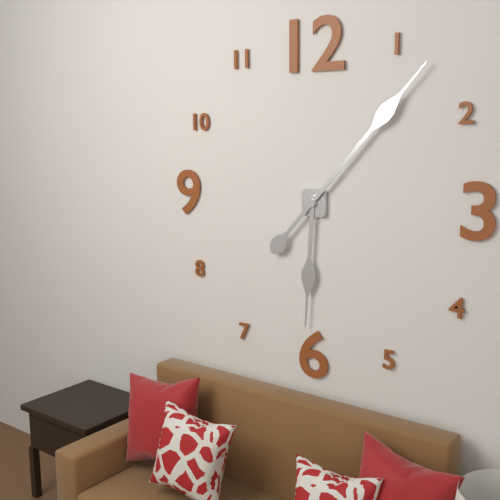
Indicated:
h=6 m=7
